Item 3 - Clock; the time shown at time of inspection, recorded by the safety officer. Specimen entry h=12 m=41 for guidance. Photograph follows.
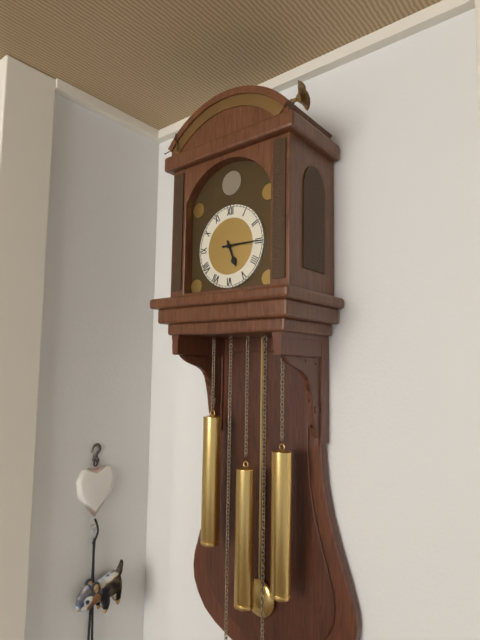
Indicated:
h=5 m=15
